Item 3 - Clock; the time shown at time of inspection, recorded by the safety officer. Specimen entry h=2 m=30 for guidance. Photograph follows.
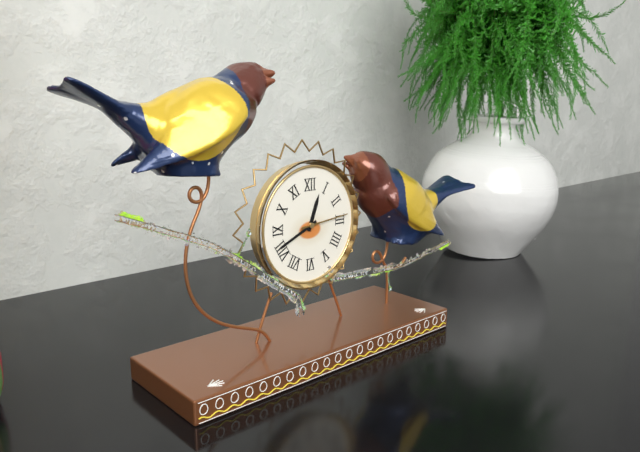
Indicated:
h=12 m=41
